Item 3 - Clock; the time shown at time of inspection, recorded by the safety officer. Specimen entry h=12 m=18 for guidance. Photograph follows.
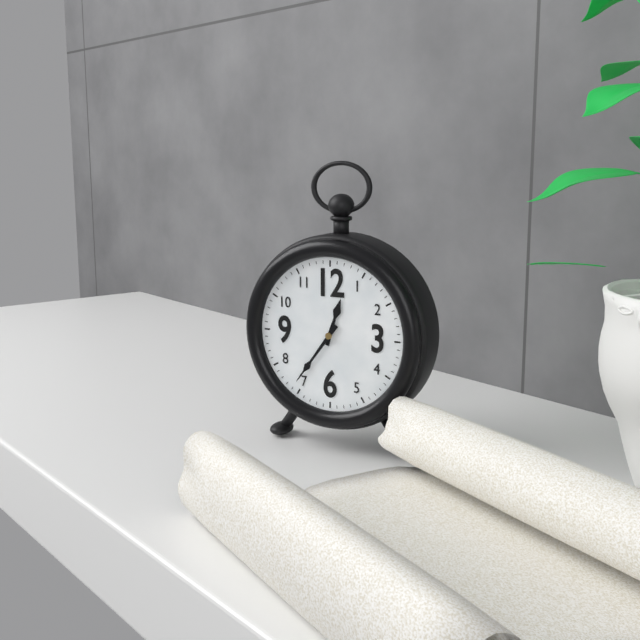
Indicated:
h=12 m=36
